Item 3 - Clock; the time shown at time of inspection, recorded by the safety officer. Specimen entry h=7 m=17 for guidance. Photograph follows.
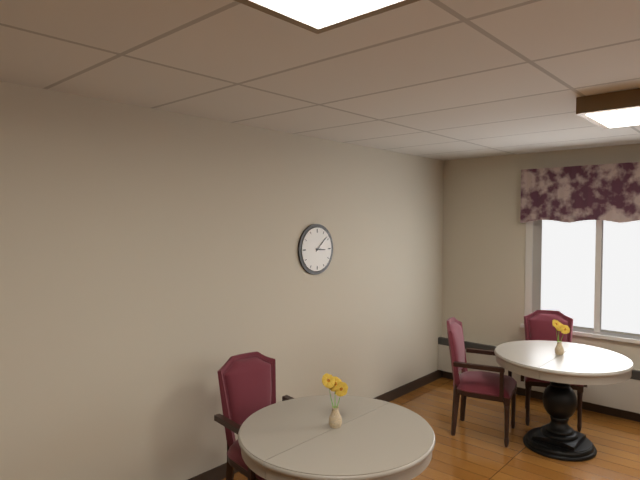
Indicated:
h=3 m=8
